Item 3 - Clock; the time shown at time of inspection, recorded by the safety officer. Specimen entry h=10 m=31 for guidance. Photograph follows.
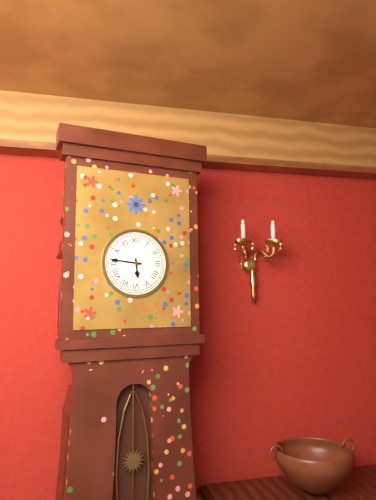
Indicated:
h=5 m=46
